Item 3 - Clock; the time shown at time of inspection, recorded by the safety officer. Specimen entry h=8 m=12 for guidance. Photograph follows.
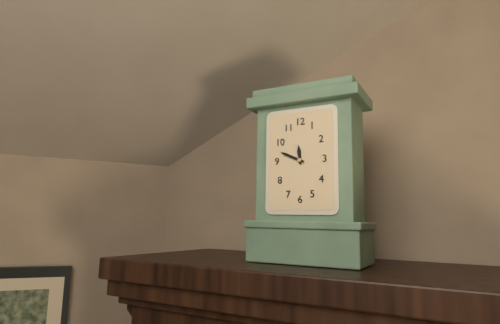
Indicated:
h=11 m=49
